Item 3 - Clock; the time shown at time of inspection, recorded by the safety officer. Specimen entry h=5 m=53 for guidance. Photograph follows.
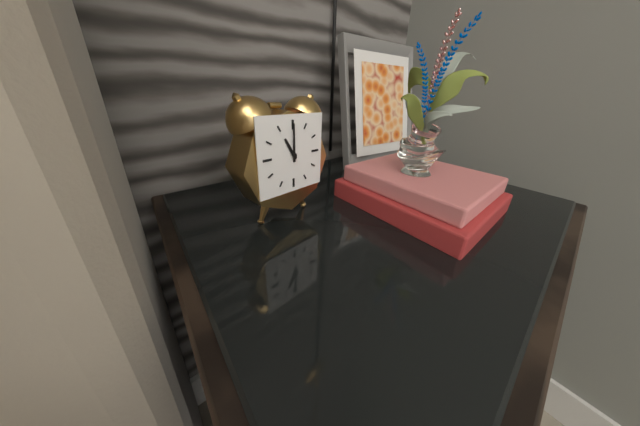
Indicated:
h=11 m=0
